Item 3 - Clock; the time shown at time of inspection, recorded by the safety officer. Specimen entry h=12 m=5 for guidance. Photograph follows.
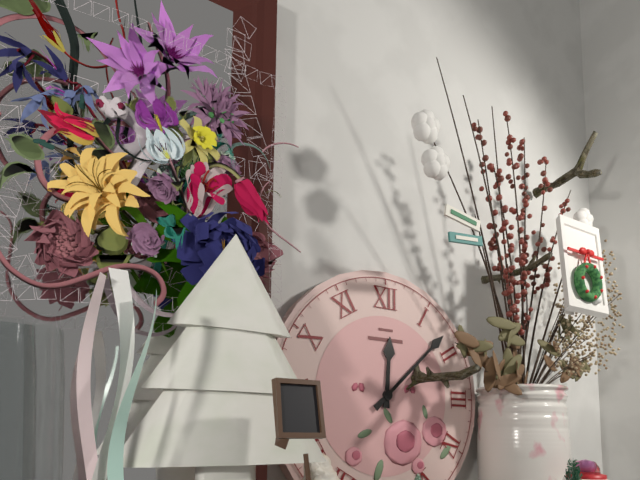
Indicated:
h=12 m=8
